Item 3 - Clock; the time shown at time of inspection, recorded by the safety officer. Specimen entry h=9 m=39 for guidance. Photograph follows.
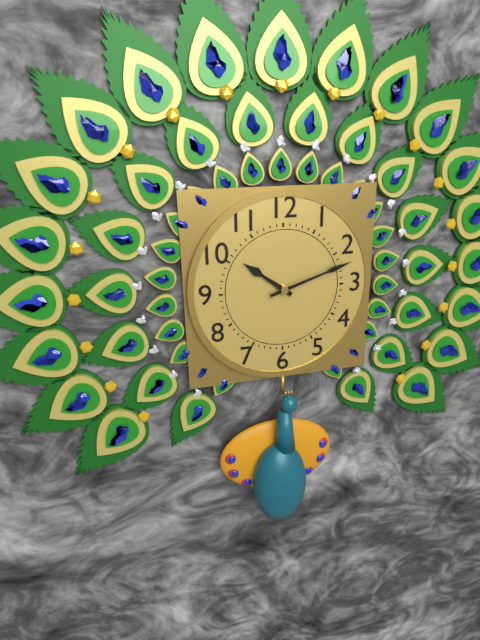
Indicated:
h=10 m=12
